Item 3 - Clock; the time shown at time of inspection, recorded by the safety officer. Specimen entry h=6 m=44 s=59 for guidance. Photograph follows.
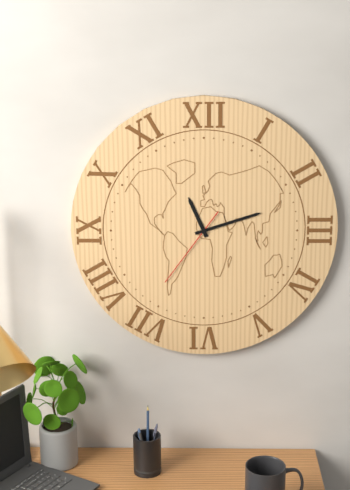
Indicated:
h=11 m=12 s=36
